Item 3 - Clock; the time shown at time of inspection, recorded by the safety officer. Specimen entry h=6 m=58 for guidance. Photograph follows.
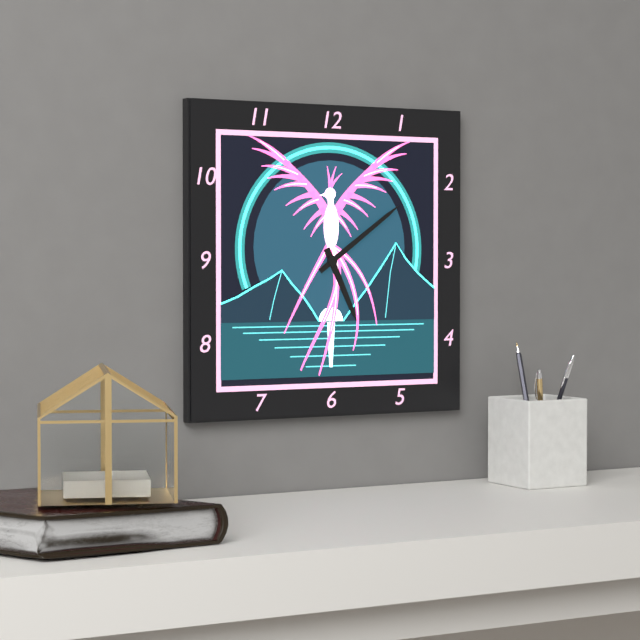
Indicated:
h=5 m=9
